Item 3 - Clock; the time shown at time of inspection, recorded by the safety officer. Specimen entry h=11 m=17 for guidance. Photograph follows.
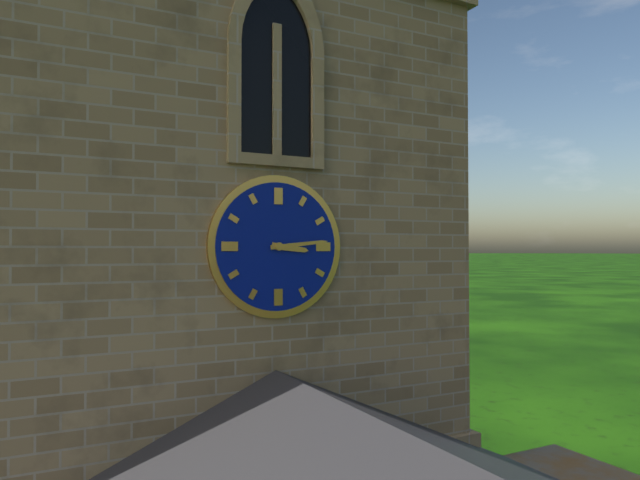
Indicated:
h=3 m=14
